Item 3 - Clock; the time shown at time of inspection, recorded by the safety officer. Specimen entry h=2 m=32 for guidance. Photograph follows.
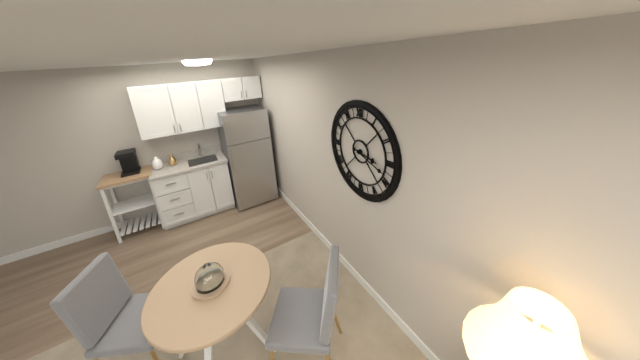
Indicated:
h=3 m=18
